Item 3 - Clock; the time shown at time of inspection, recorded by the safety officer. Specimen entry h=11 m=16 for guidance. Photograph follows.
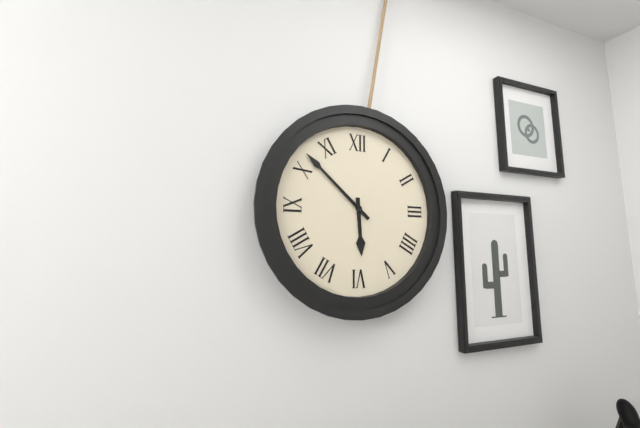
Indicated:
h=5 m=52
